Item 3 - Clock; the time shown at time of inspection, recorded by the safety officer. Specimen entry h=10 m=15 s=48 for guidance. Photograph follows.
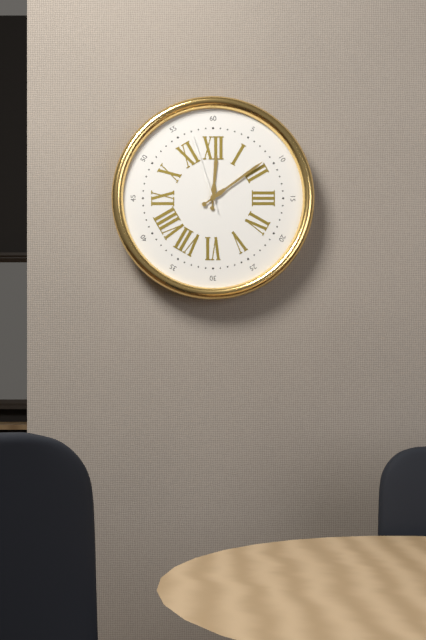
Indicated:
h=12 m=9 s=57
